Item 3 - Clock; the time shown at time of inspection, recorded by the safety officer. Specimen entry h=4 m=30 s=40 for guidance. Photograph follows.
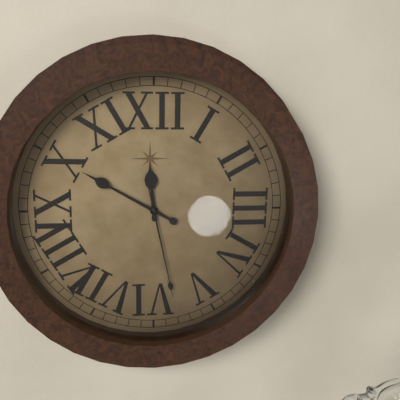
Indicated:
h=11 m=50 s=28
